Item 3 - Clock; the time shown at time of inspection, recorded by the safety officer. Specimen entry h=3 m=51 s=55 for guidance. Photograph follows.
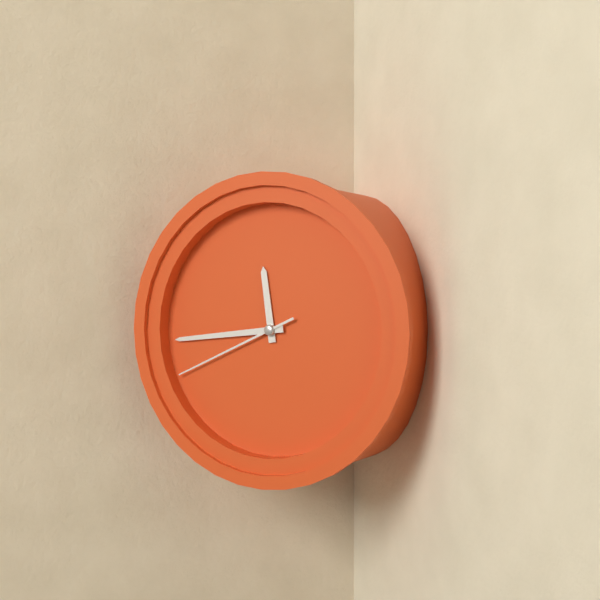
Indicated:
h=11 m=44 s=41
